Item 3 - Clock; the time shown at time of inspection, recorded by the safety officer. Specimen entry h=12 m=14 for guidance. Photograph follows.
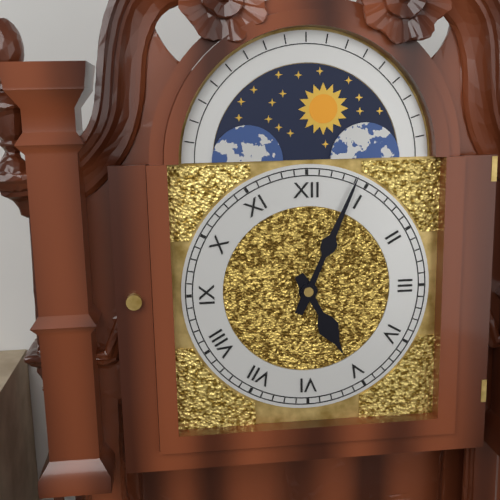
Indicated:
h=5 m=4
